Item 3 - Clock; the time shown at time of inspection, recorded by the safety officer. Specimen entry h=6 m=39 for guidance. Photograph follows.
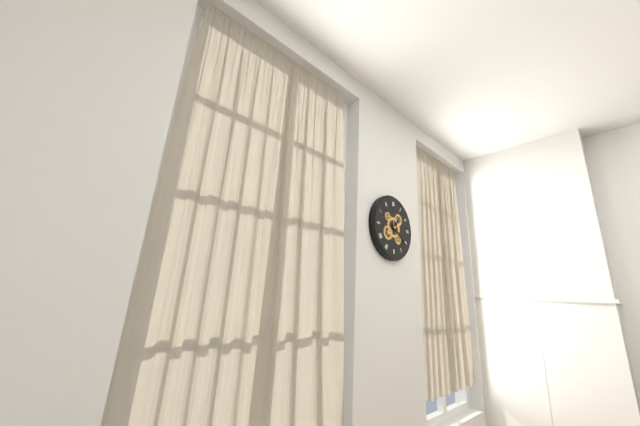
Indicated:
h=1 m=21
